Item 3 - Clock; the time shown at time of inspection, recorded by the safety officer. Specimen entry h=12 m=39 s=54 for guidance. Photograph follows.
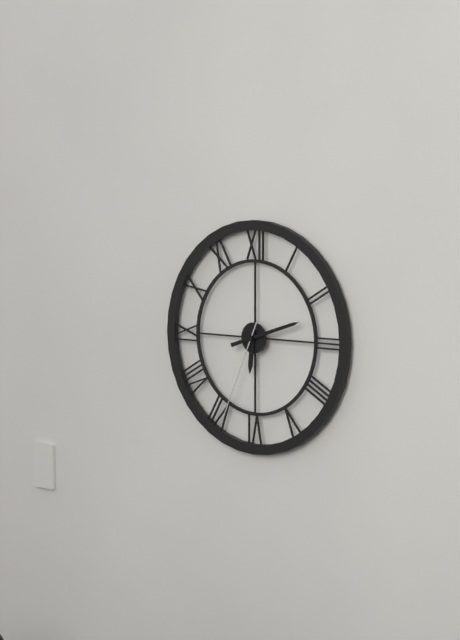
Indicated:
h=6 m=12 s=34
